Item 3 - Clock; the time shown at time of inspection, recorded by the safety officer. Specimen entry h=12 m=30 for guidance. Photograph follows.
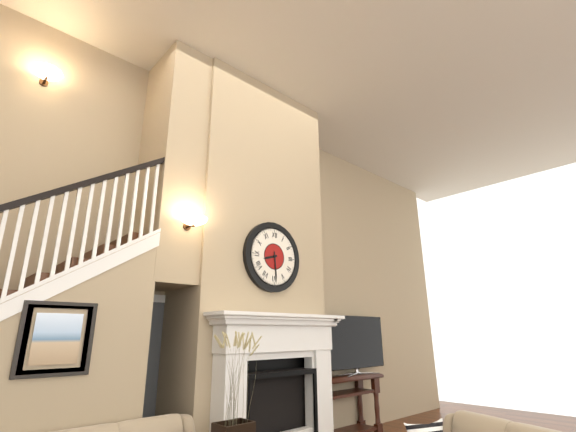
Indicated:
h=8 m=29
